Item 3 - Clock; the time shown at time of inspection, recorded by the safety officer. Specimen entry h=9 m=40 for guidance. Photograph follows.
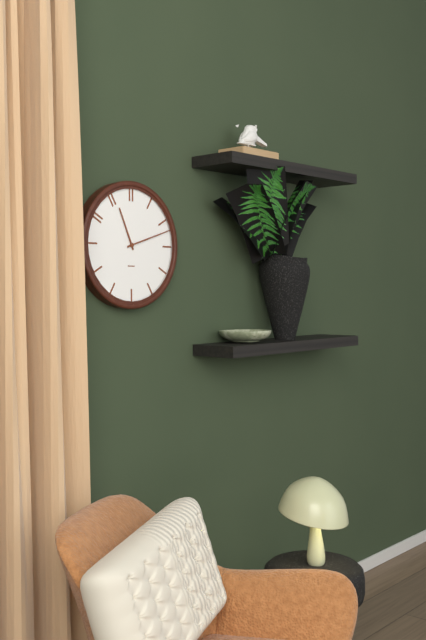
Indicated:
h=11 m=12
